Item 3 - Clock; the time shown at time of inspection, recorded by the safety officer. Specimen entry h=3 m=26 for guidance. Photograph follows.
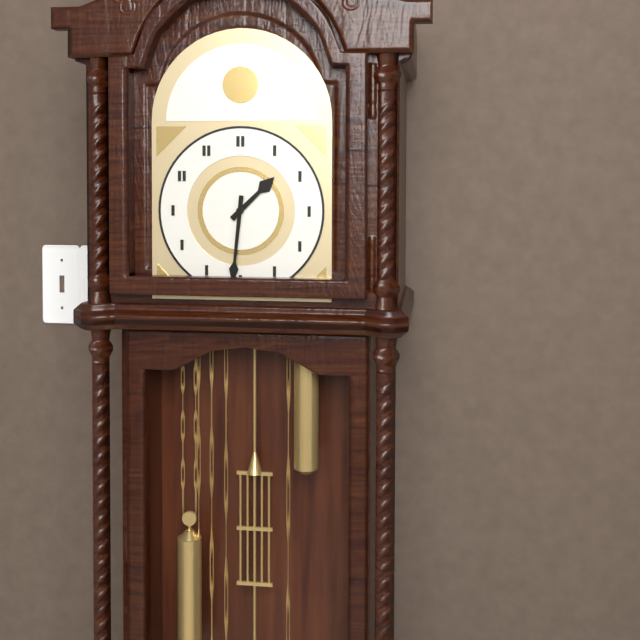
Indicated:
h=1 m=31
